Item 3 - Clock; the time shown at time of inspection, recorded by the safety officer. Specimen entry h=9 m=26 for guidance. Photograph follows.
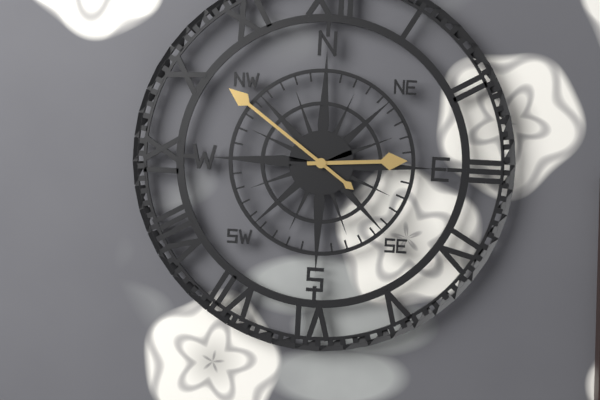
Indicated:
h=2 m=51
